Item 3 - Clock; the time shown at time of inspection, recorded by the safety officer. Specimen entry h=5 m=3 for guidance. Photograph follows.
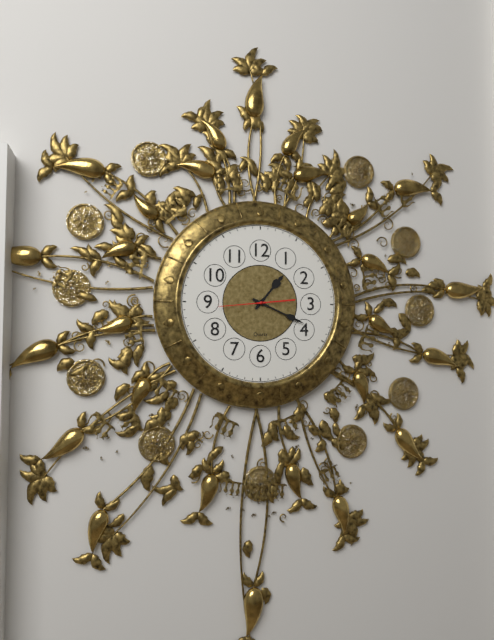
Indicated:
h=1 m=19
